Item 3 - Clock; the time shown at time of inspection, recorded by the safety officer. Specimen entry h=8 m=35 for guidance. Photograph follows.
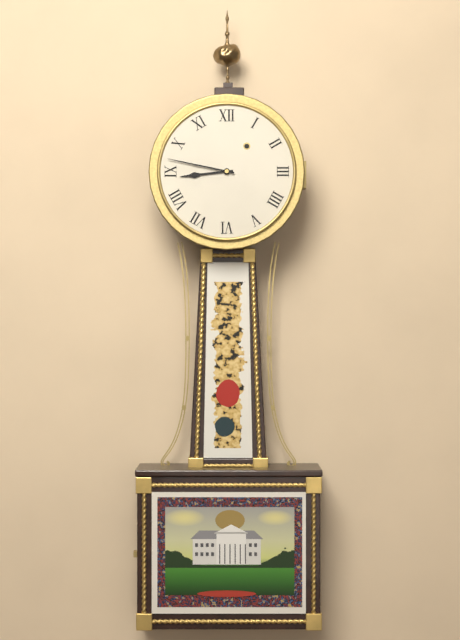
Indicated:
h=8 m=47
